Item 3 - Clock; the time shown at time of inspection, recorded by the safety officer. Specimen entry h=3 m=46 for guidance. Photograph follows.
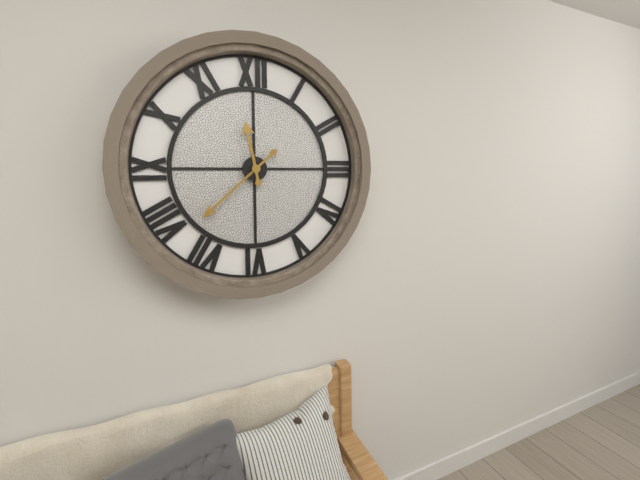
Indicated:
h=11 m=38
